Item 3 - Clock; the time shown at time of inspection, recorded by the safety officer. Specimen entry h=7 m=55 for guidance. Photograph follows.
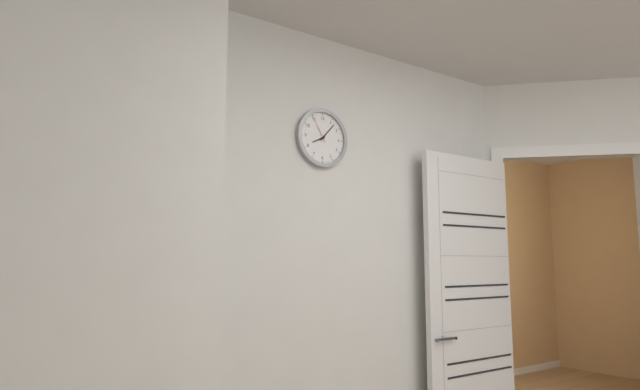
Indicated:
h=8 m=7
